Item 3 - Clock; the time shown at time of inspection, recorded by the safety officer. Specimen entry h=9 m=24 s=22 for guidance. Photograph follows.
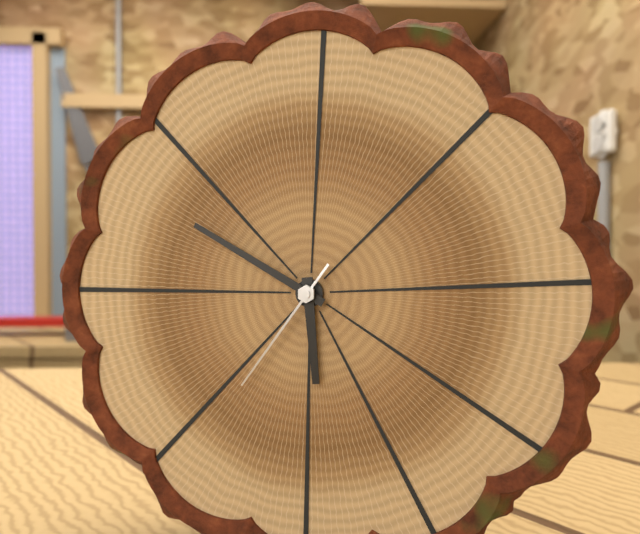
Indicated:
h=5 m=50 s=36
